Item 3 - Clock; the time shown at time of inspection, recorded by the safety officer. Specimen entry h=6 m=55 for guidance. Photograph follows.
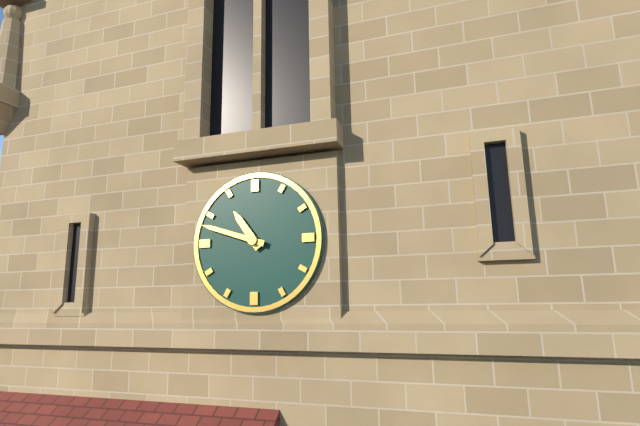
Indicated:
h=10 m=48
